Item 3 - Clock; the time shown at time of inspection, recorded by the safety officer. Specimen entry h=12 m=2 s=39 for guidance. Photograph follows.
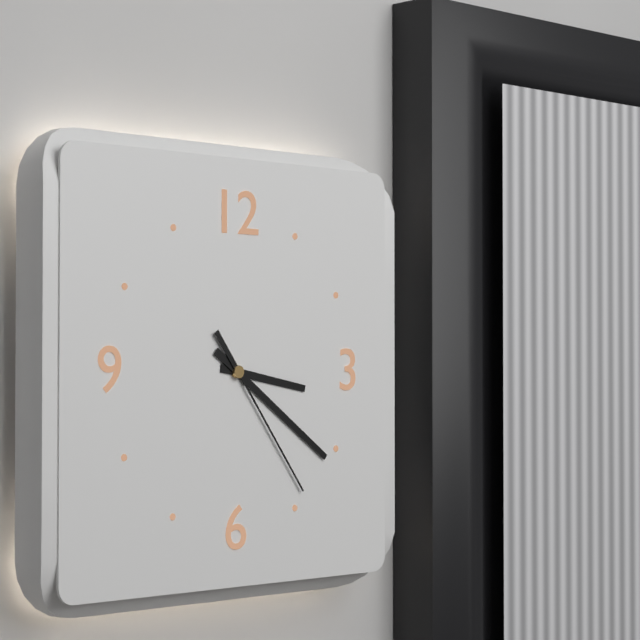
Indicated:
h=3 m=21 s=24
